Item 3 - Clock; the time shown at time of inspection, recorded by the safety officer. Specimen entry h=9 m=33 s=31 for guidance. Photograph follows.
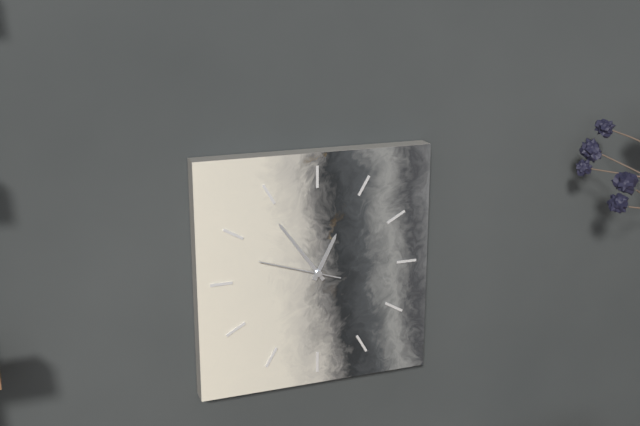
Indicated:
h=12 m=54 s=48
